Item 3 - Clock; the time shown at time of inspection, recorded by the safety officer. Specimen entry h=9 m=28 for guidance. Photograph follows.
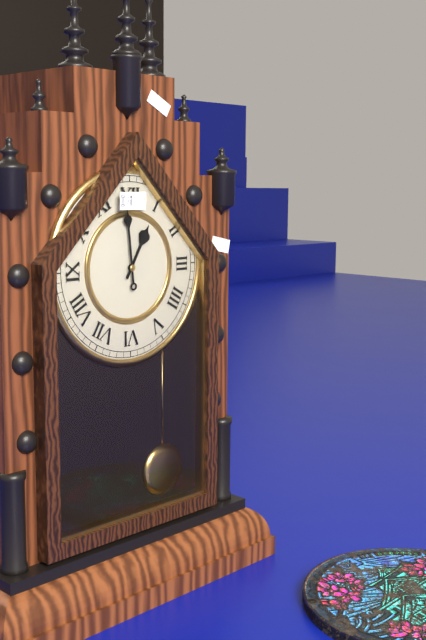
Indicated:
h=12 m=59
